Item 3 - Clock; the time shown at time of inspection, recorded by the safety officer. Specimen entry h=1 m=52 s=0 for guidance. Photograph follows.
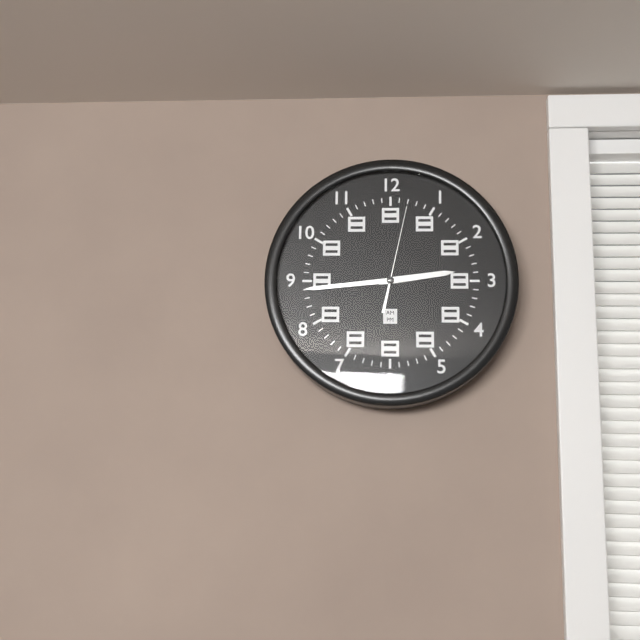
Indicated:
h=2 m=44 s=2
